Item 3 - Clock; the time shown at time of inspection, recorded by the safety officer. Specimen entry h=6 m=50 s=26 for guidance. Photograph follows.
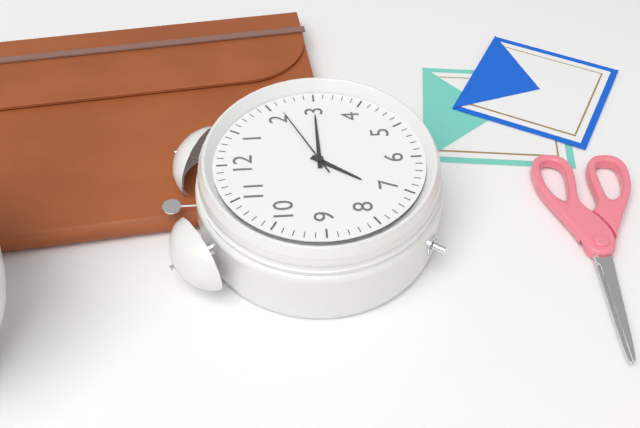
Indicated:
h=7 m=15 s=11
